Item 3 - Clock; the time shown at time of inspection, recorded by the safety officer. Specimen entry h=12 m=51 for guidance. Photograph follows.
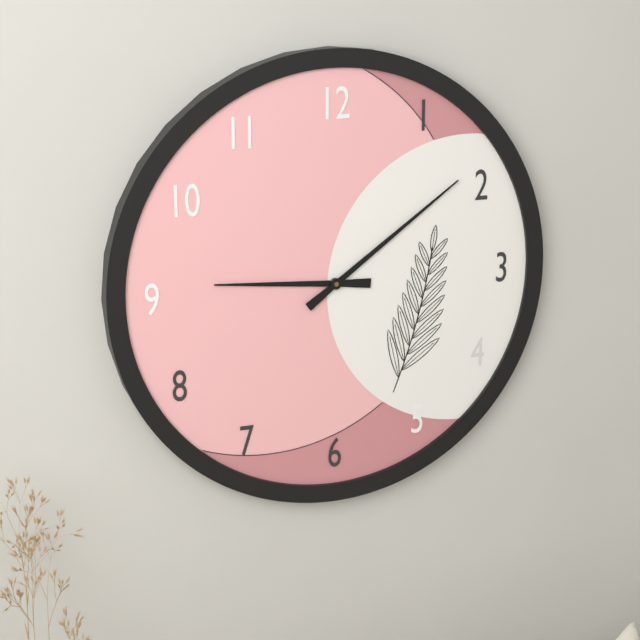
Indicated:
h=9 m=9
